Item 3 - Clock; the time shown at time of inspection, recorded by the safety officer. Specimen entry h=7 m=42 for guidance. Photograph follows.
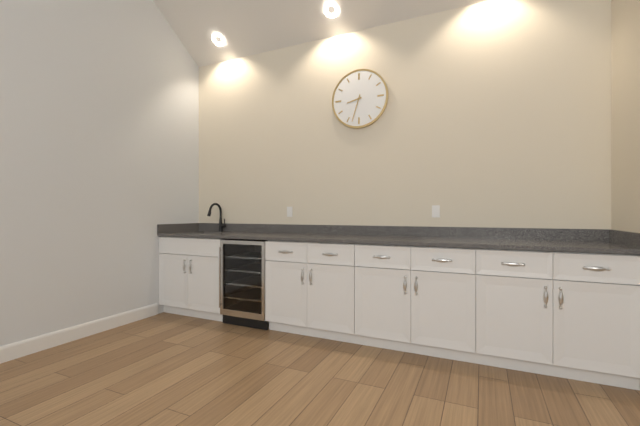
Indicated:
h=8 m=33
